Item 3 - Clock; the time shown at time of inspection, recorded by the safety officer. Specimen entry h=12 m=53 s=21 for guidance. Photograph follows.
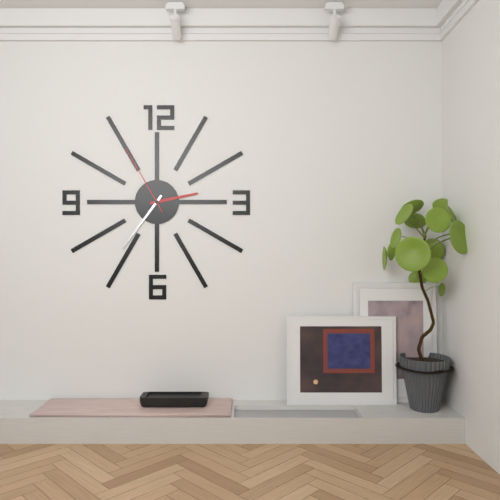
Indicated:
h=2 m=36 s=55
